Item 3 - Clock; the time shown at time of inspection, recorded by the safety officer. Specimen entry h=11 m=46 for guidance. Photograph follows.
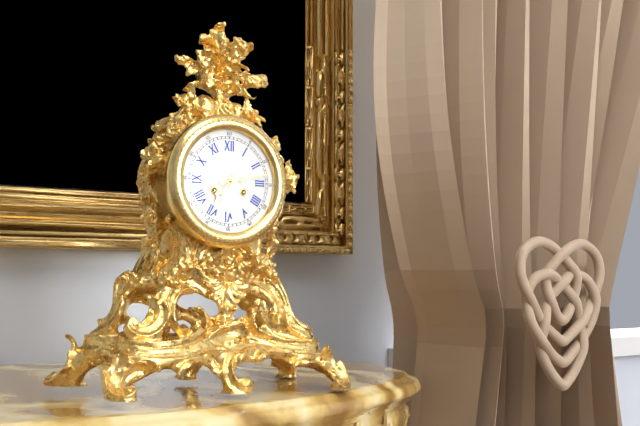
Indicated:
h=7 m=13
